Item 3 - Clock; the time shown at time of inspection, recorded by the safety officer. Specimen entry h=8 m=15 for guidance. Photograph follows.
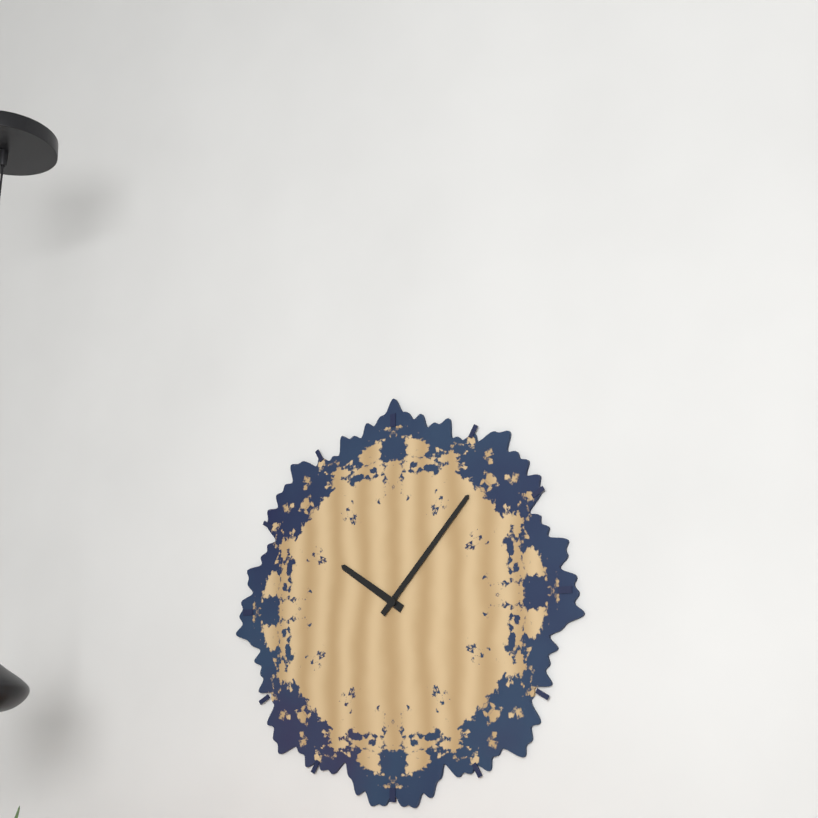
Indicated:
h=10 m=7
